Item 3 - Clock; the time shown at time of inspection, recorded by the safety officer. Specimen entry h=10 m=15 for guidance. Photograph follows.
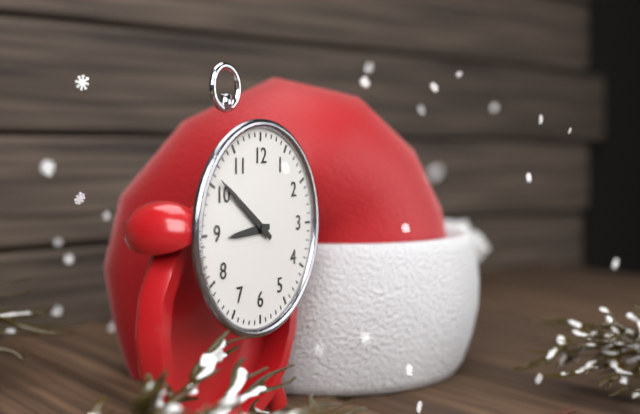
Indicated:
h=8 m=51
